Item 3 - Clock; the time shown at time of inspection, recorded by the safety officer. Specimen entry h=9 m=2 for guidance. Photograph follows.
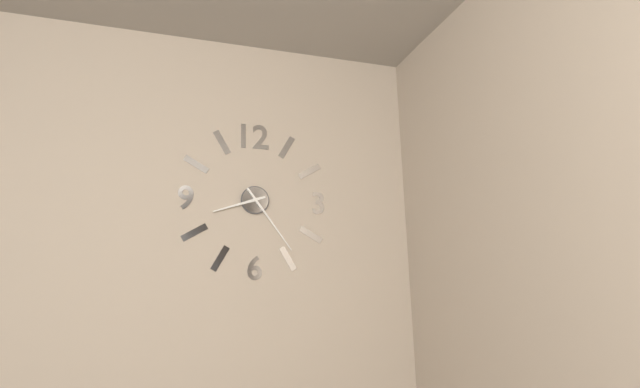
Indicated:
h=8 m=24
